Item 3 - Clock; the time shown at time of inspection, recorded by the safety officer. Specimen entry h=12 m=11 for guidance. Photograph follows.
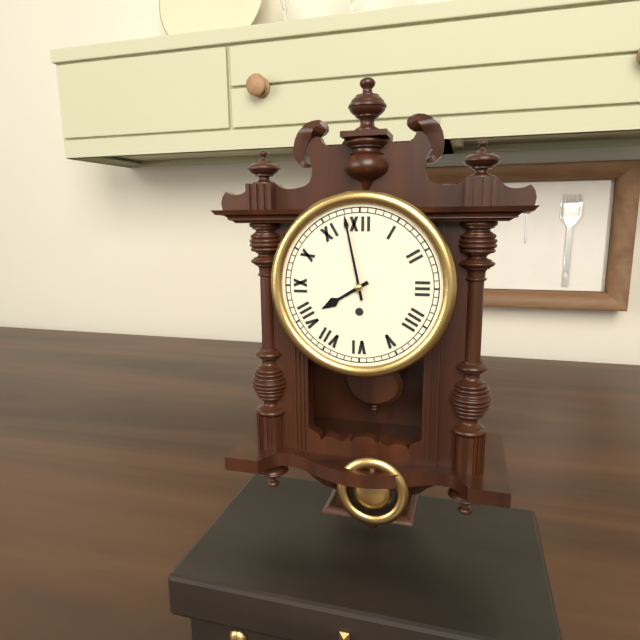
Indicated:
h=7 m=58
